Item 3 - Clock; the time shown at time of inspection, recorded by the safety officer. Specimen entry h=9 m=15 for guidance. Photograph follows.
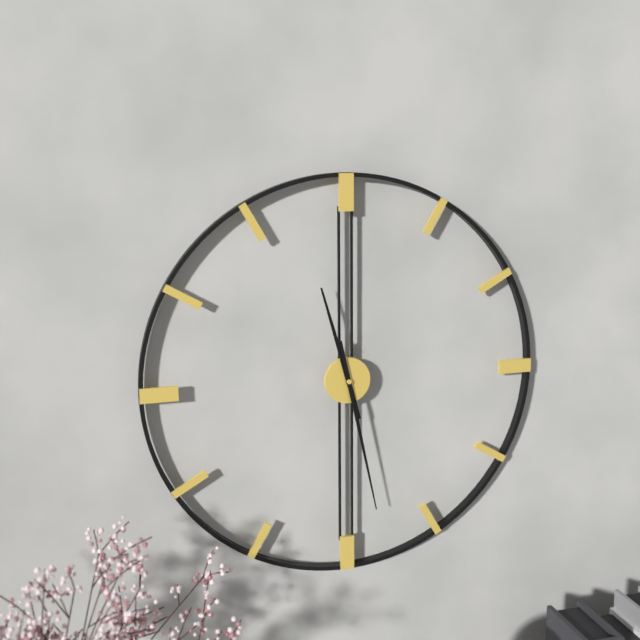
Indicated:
h=11 m=28
